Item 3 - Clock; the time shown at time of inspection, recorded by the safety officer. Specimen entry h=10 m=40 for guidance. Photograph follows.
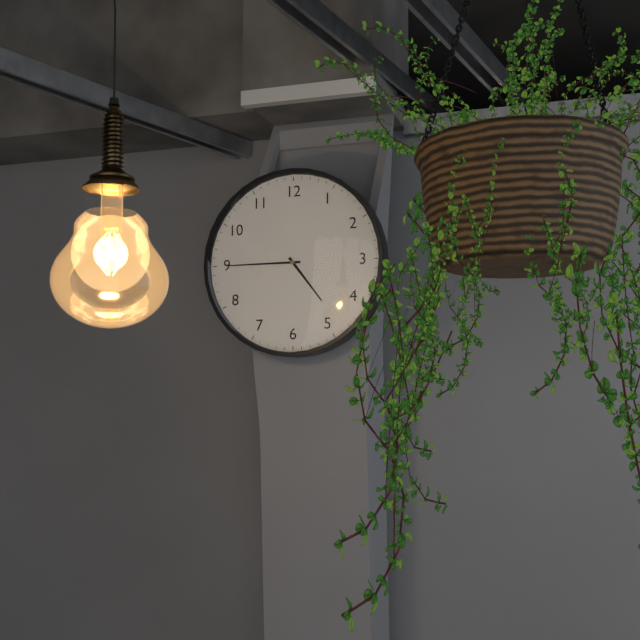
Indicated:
h=4 m=45
